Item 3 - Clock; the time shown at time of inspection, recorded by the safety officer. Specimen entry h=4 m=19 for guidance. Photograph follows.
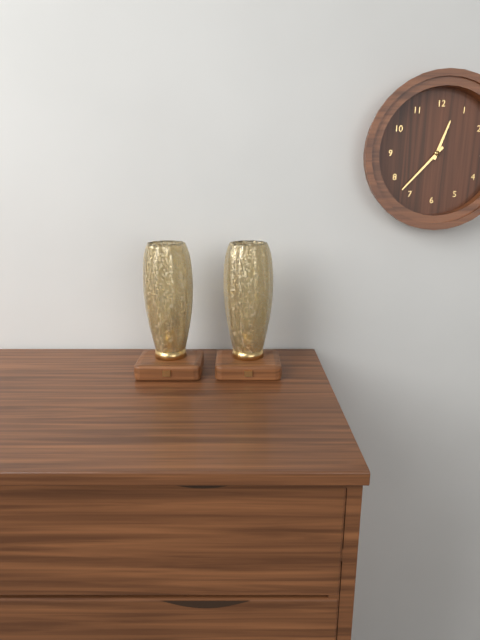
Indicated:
h=12 m=37
